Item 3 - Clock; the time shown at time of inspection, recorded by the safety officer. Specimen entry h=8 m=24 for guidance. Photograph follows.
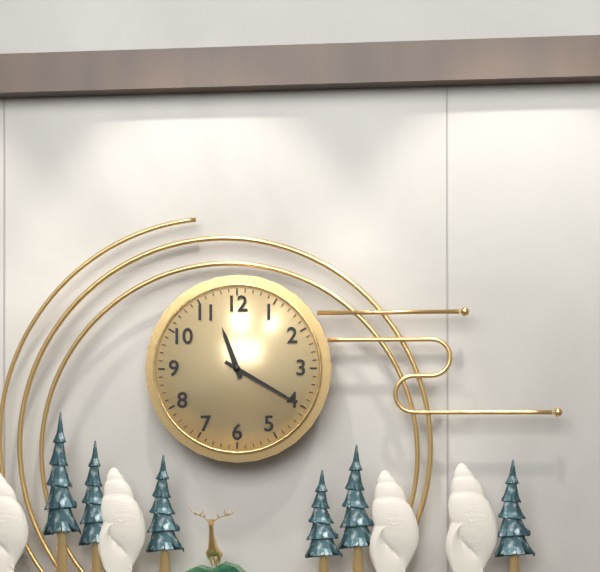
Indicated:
h=11 m=20
